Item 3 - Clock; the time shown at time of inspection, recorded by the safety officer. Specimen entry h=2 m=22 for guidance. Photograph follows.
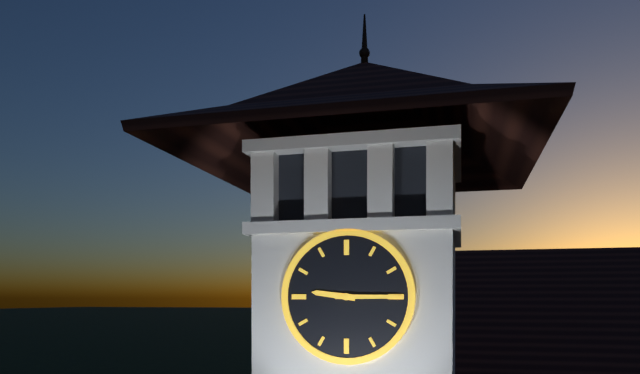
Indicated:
h=9 m=15
